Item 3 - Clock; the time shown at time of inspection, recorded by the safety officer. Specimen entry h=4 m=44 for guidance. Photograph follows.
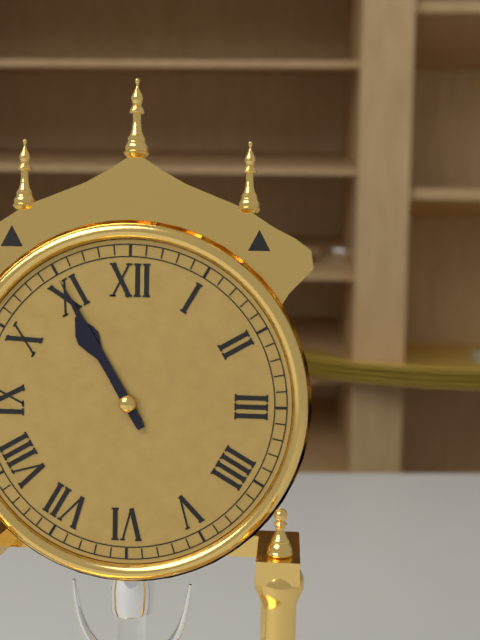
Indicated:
h=10 m=55
